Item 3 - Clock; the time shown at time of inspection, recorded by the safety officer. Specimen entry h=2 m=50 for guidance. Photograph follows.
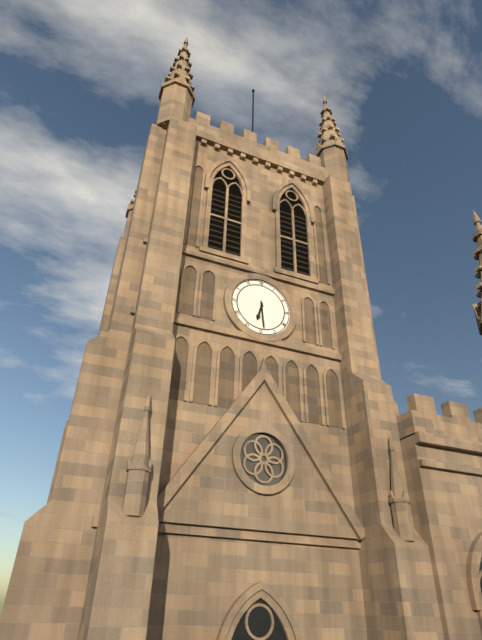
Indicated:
h=6 m=29
